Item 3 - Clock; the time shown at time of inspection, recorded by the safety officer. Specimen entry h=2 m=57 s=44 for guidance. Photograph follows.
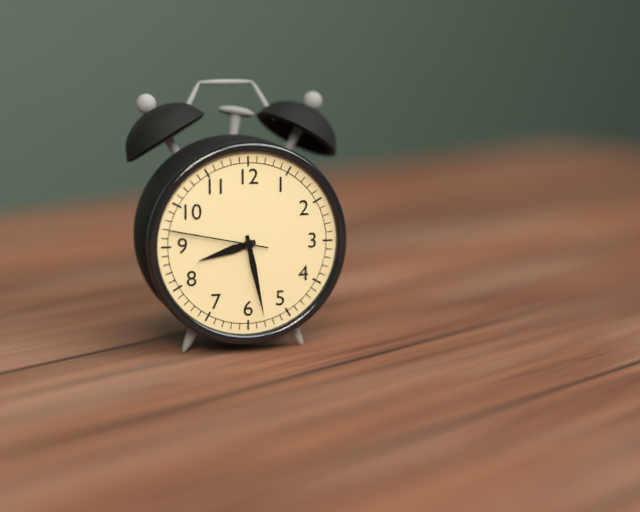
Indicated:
h=8 m=28 s=47
